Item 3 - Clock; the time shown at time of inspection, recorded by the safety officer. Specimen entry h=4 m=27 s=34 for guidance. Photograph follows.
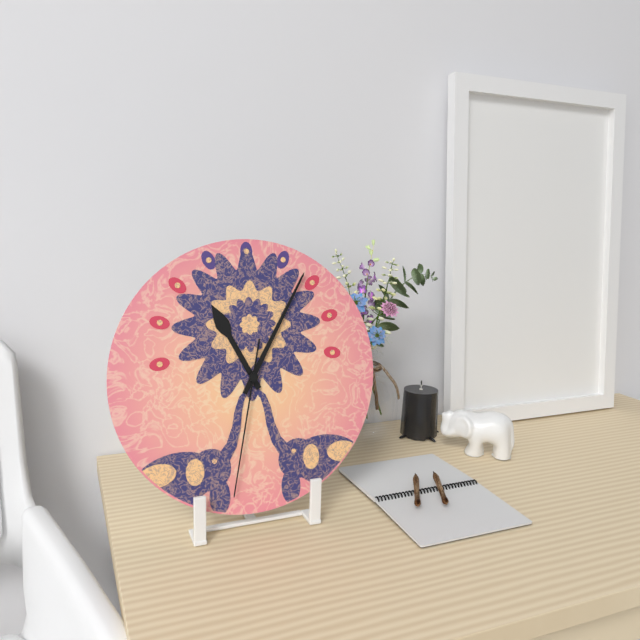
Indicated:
h=11 m=5 s=32
